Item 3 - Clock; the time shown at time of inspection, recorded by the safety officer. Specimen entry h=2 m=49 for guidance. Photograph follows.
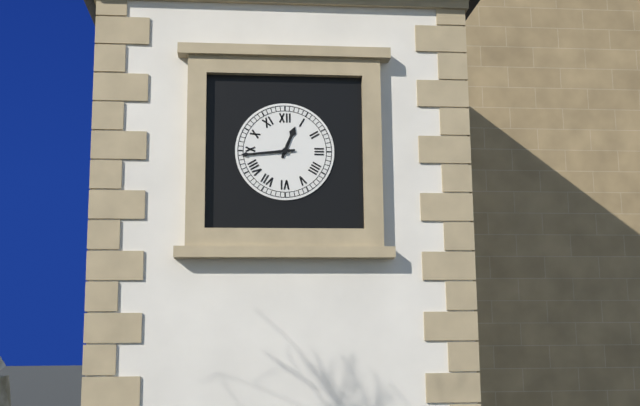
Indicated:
h=12 m=44
